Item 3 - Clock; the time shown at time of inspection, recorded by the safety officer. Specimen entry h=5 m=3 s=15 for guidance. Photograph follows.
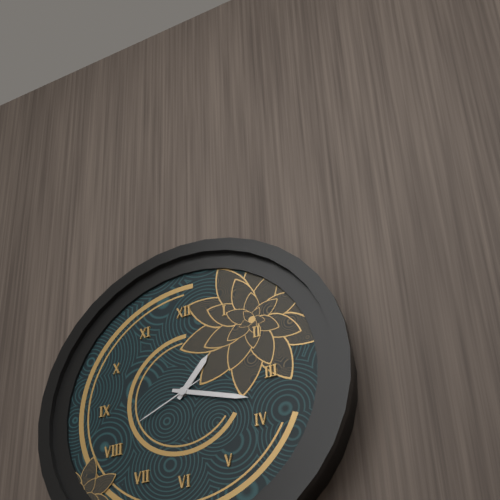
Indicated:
h=1 m=18 s=41
